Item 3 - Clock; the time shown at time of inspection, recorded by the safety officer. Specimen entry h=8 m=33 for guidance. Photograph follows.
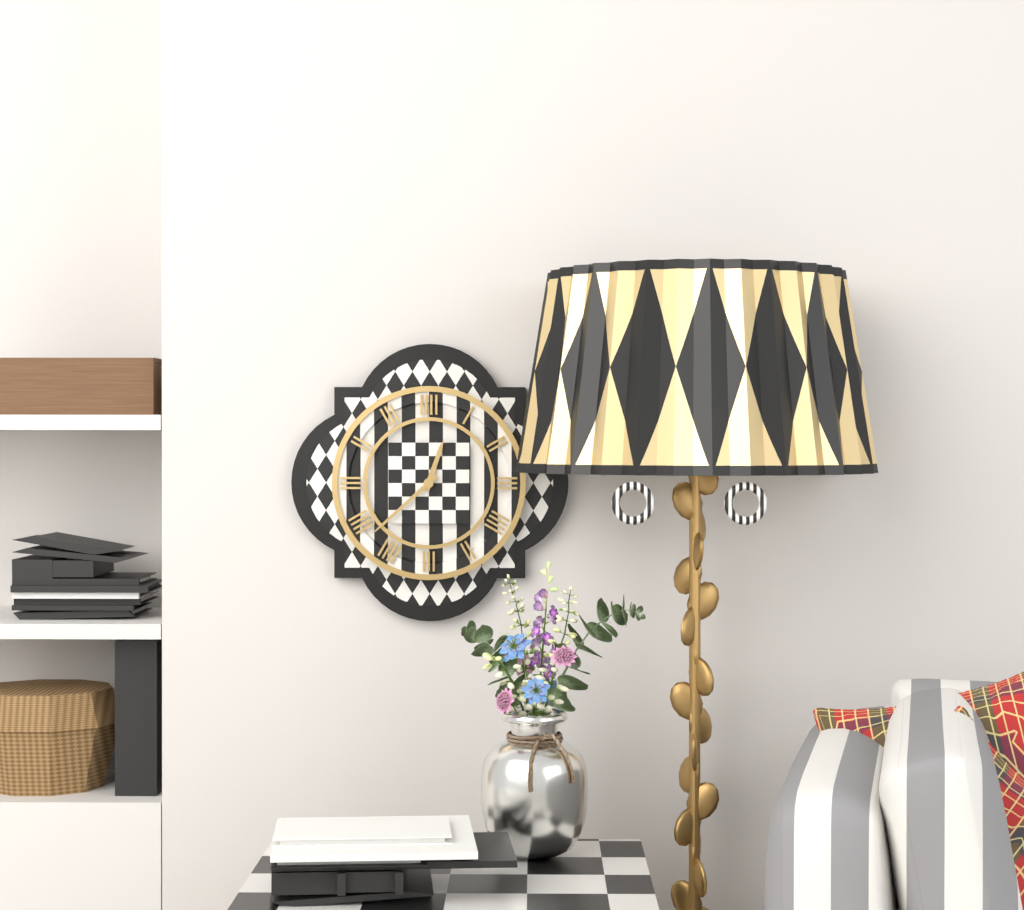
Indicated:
h=12 m=38
